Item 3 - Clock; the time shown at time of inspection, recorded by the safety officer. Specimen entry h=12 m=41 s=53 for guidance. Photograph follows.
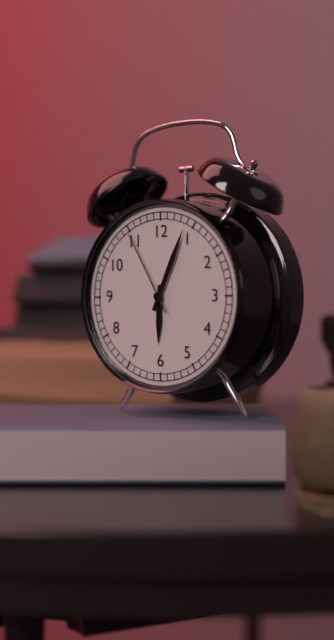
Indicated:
h=6 m=4 s=55
